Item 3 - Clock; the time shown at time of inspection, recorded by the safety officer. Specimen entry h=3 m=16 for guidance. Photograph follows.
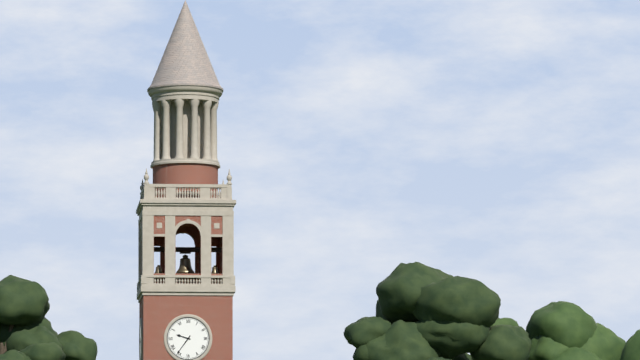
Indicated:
h=9 m=36
